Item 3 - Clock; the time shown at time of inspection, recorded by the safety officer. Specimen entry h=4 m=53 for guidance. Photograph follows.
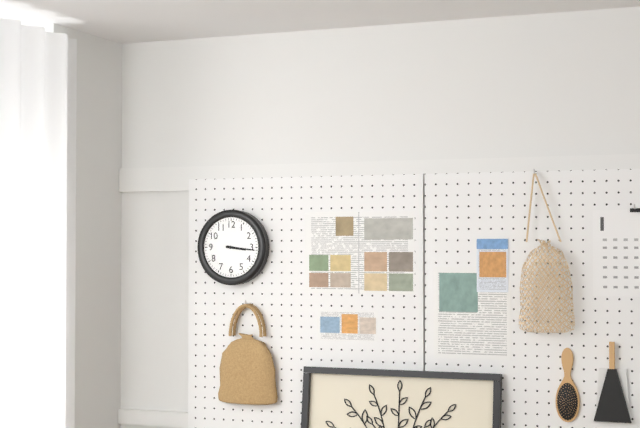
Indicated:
h=3 m=16
